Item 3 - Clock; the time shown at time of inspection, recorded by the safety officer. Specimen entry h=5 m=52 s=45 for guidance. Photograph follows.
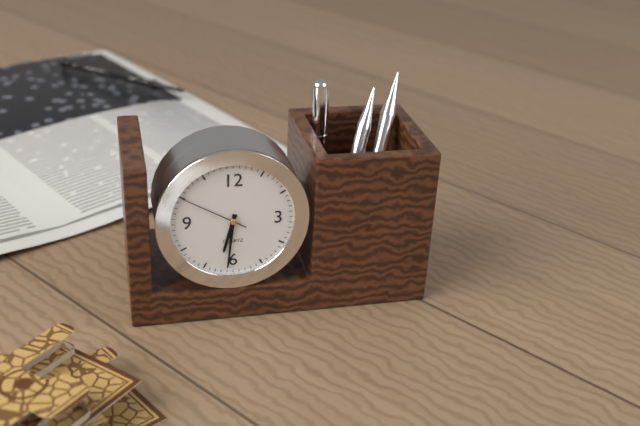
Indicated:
h=6 m=31 s=50
